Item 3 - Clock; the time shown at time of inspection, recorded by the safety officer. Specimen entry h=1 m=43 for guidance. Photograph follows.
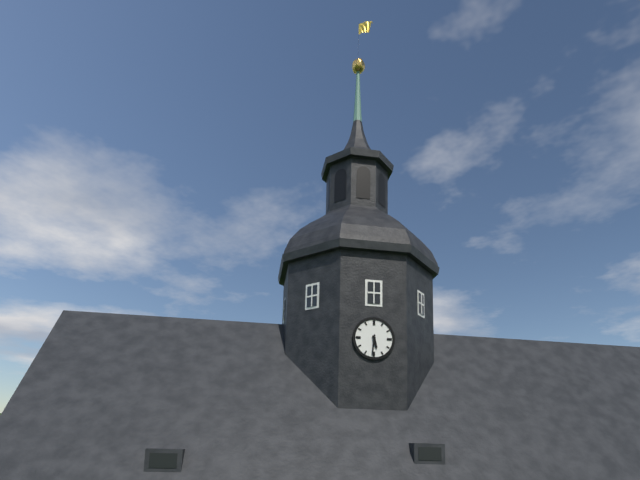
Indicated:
h=5 m=31
